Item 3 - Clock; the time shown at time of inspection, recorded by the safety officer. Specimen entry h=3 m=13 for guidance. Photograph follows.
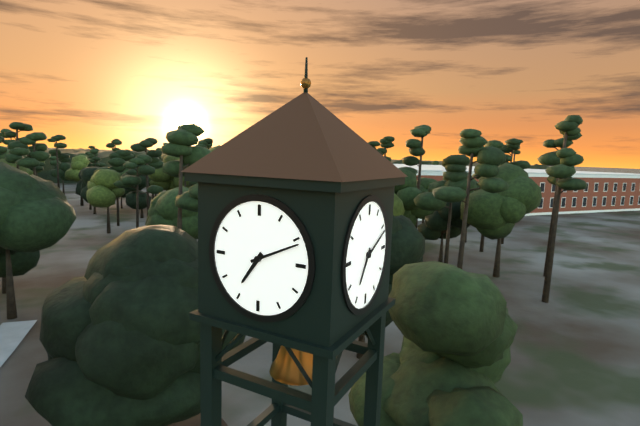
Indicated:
h=7 m=11
